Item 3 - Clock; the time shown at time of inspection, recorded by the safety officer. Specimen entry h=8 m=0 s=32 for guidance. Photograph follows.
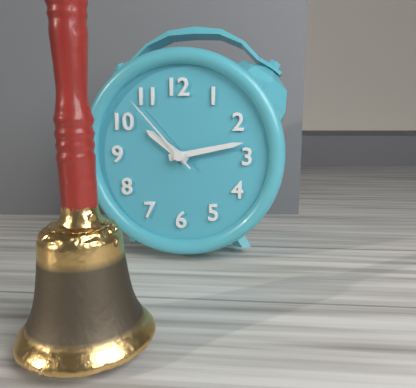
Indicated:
h=10 m=13 s=53
